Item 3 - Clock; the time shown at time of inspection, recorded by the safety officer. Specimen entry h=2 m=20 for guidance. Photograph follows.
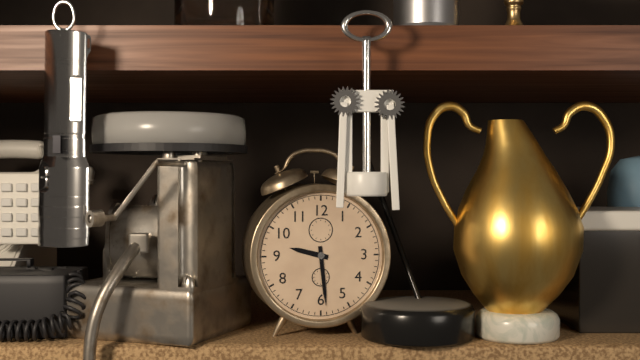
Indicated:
h=9 m=29
